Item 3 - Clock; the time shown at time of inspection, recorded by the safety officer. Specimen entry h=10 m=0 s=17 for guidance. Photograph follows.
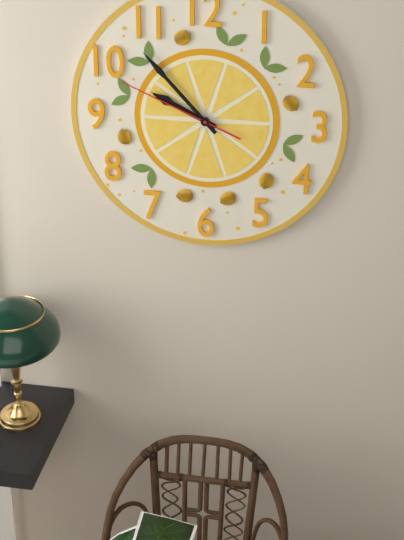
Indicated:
h=9 m=53 s=49
